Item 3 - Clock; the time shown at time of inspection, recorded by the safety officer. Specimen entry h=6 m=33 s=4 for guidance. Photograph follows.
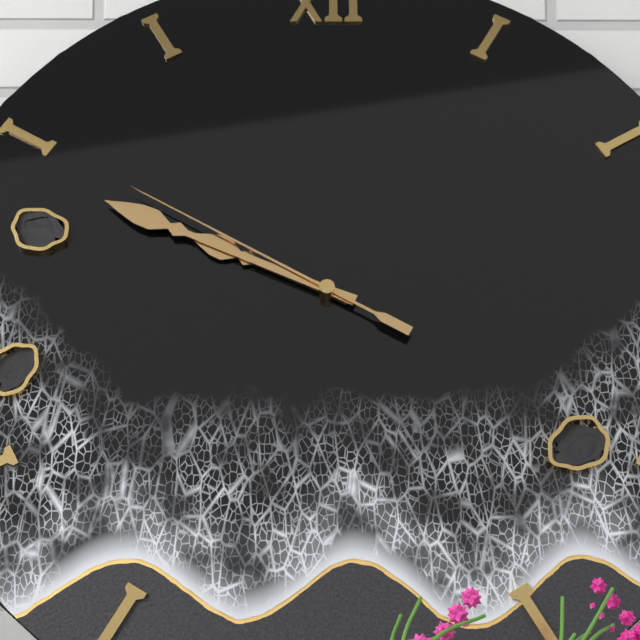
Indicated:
h=9 m=49 s=50
